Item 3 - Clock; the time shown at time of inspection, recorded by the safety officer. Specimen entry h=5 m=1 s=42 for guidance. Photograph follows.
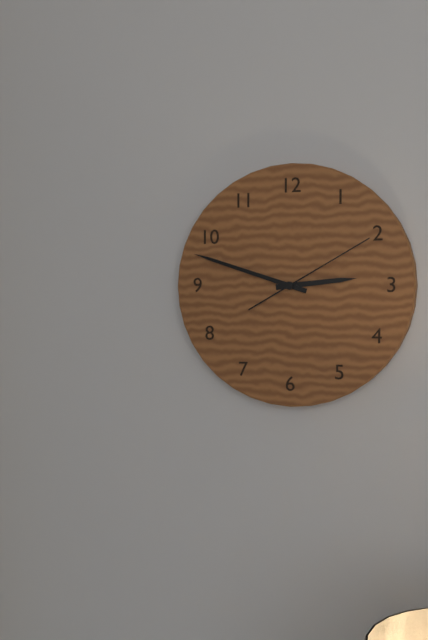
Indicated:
h=2 m=48 s=10
